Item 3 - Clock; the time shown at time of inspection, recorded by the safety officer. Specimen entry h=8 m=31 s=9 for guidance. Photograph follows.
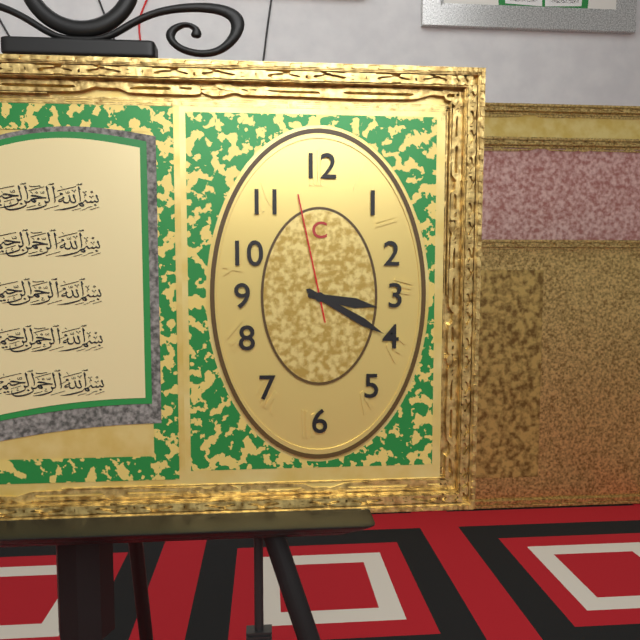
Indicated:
h=3 m=20 s=58
